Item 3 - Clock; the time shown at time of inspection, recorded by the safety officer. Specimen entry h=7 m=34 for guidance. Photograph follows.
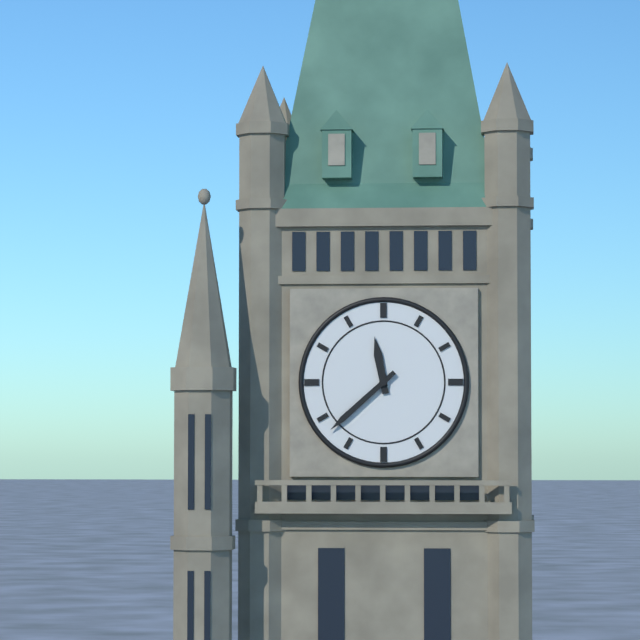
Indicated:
h=11 m=38
